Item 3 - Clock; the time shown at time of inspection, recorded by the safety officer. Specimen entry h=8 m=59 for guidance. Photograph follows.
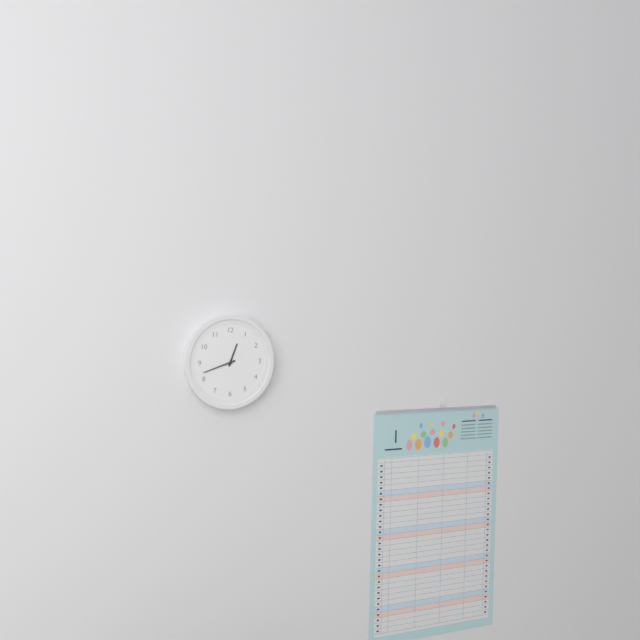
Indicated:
h=12 m=42
